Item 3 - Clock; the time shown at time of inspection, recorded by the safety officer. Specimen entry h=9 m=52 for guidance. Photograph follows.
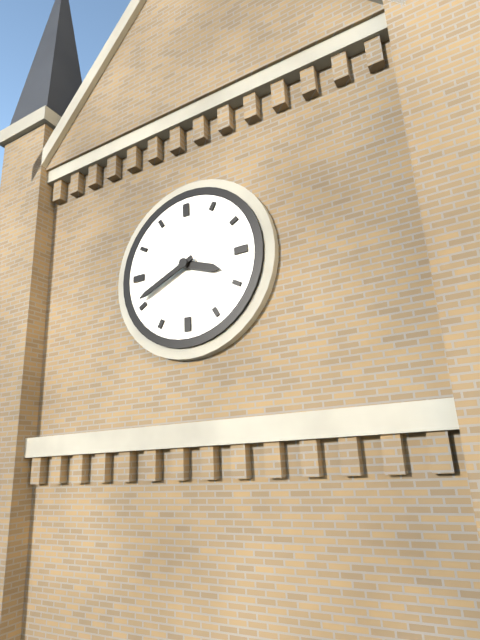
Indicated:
h=3 m=41
